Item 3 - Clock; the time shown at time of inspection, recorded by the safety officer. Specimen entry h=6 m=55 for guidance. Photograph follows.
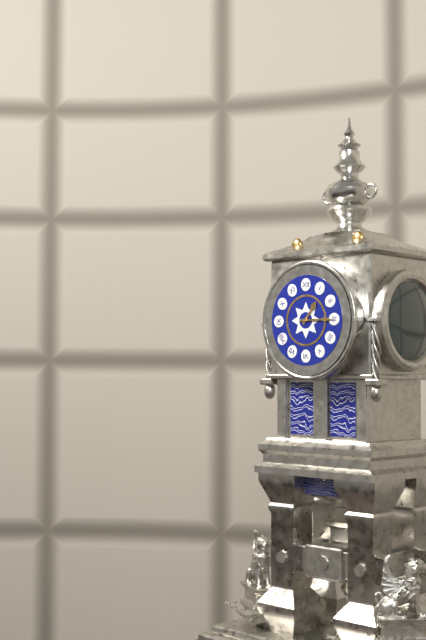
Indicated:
h=1 m=15
